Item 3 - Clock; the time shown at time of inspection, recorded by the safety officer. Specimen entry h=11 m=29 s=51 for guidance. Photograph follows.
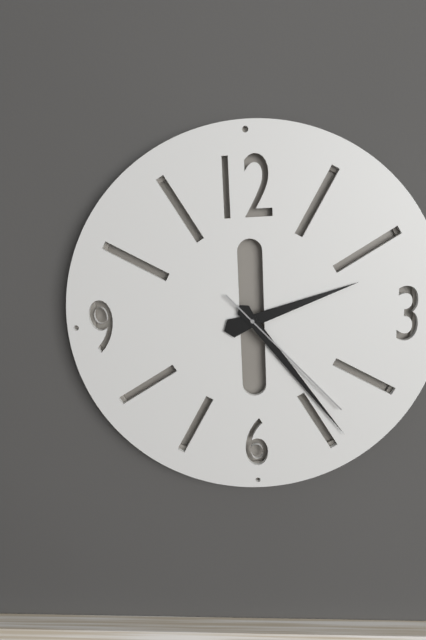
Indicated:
h=2 m=24 s=23
